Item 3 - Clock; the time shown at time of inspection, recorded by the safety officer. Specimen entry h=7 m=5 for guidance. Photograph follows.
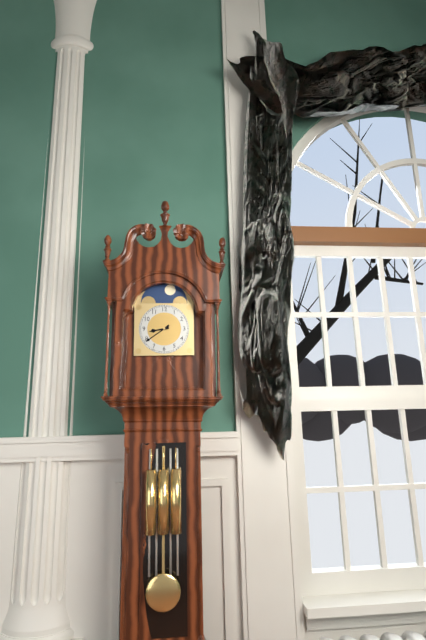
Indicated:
h=8 m=39
